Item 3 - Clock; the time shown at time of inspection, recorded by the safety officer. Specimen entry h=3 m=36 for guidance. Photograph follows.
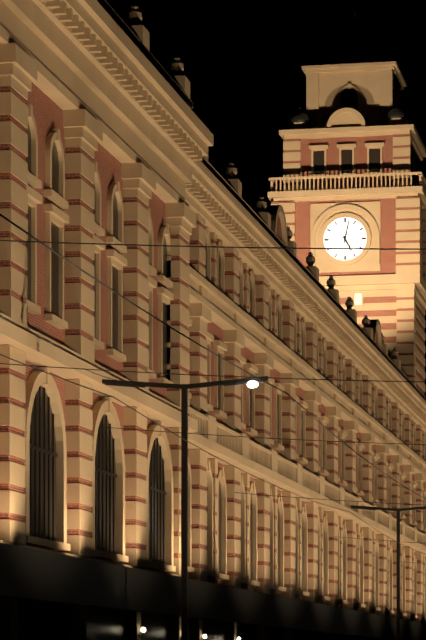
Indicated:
h=5 m=2
